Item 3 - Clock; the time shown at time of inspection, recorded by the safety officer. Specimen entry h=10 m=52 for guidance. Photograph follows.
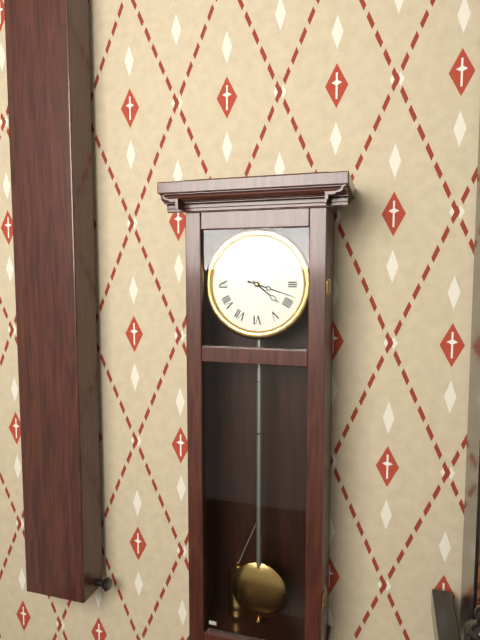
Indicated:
h=4 m=18
